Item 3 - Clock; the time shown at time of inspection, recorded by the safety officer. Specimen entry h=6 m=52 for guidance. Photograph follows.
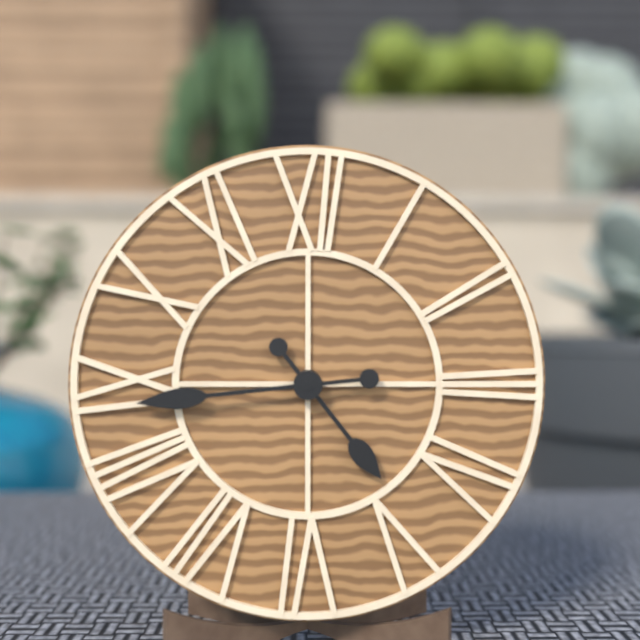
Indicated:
h=4 m=44
